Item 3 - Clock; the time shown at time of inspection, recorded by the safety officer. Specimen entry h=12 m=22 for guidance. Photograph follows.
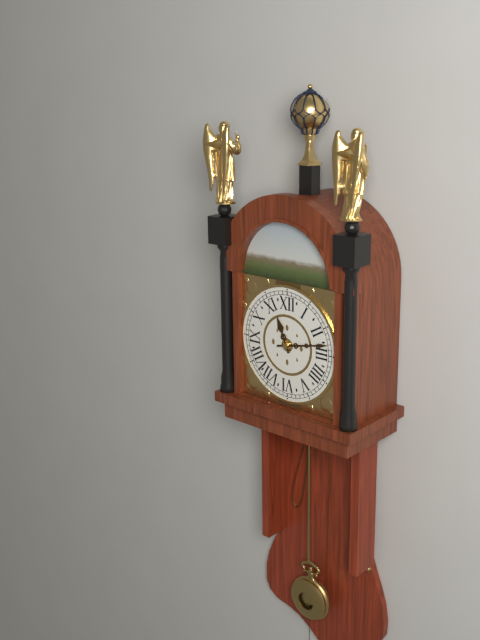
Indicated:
h=11 m=13
